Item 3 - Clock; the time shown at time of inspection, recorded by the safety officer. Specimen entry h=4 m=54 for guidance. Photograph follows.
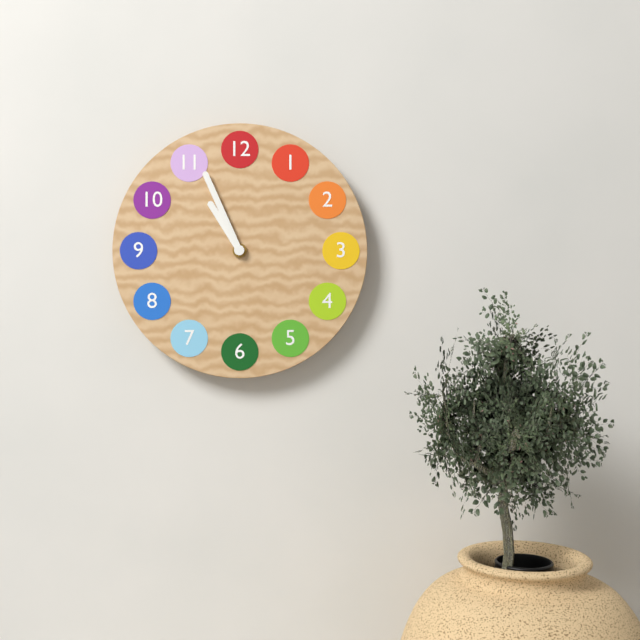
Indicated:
h=10 m=56
